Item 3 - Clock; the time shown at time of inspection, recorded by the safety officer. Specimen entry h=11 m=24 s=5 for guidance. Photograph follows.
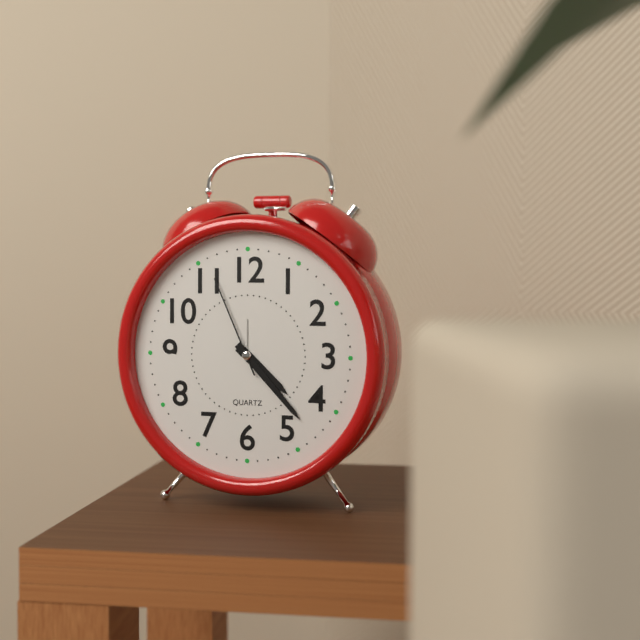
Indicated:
h=4 m=23 s=56
